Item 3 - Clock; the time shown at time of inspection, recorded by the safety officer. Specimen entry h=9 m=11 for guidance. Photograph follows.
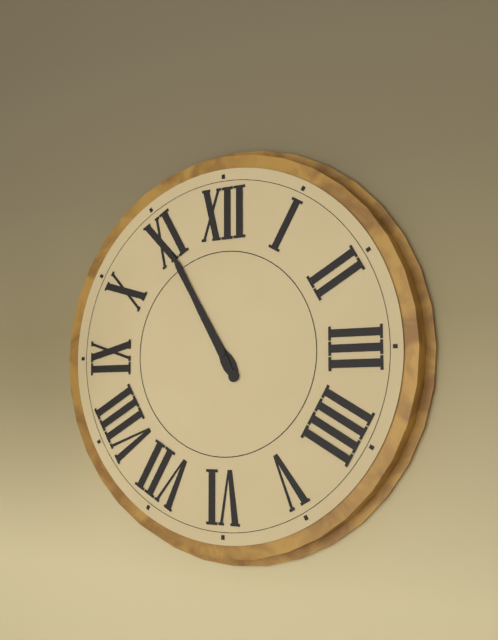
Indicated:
h=10 m=55
